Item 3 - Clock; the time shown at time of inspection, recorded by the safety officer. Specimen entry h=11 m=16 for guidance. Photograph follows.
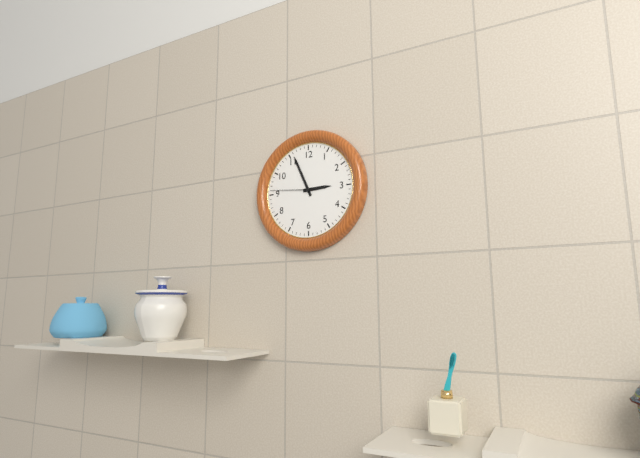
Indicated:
h=2 m=56
